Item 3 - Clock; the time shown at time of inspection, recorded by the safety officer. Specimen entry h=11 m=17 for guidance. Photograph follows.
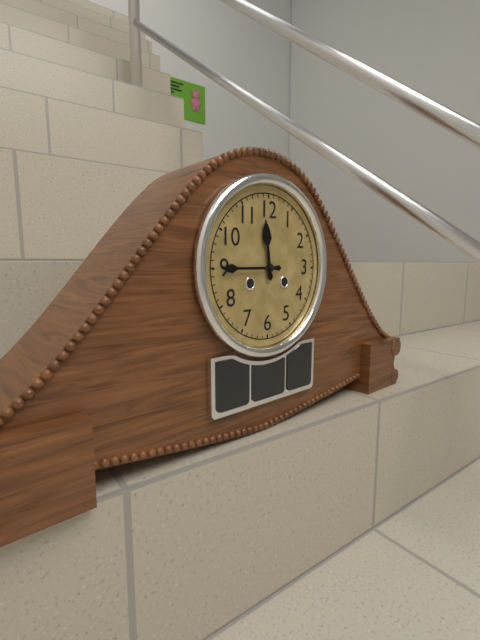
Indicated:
h=11 m=45
